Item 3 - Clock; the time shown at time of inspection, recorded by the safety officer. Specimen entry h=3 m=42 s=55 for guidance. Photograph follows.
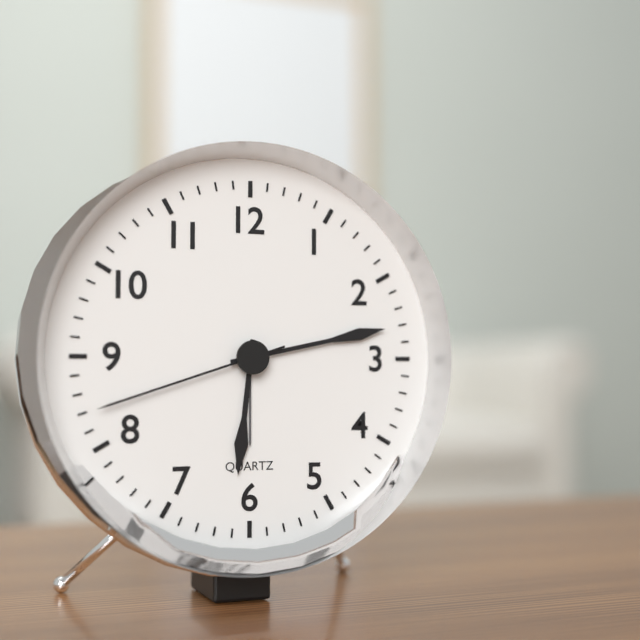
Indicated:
h=6 m=13 s=42
